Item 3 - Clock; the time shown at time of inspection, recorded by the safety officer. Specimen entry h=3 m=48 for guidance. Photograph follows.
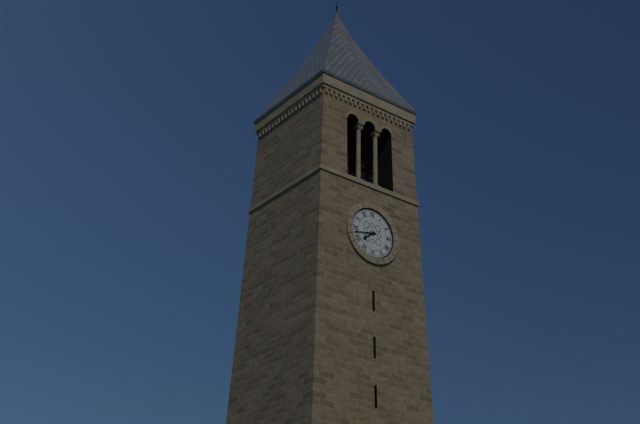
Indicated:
h=7 m=43
